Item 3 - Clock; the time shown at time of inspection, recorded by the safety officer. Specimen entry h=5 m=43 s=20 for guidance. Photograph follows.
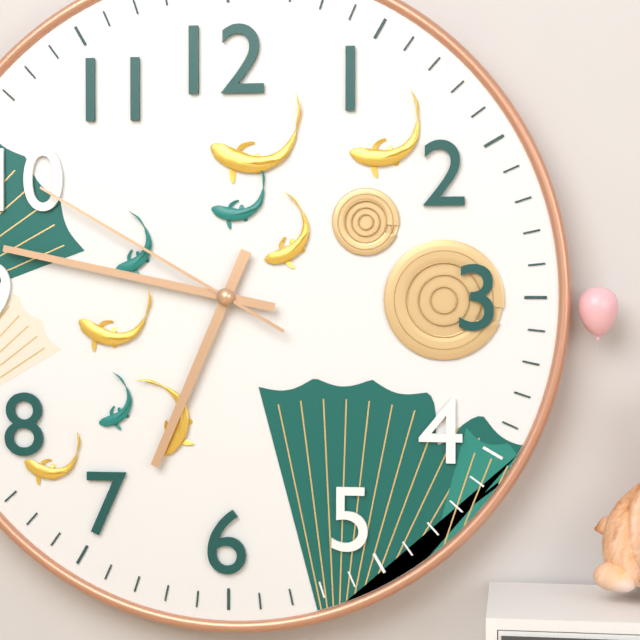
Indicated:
h=6 m=47 s=50
